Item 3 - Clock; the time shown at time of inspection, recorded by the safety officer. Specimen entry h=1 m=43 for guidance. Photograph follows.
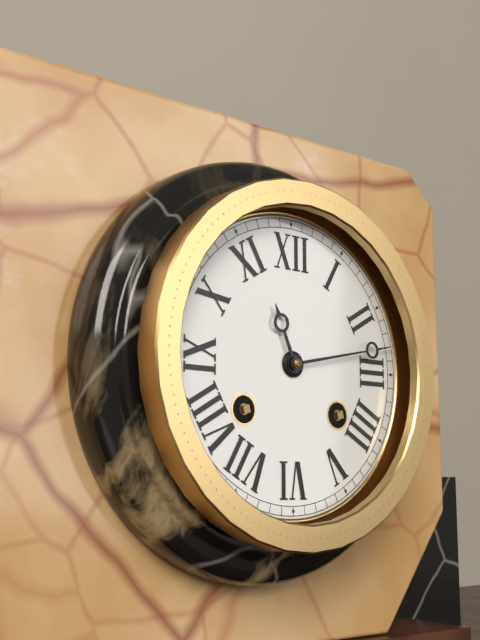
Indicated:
h=11 m=13
